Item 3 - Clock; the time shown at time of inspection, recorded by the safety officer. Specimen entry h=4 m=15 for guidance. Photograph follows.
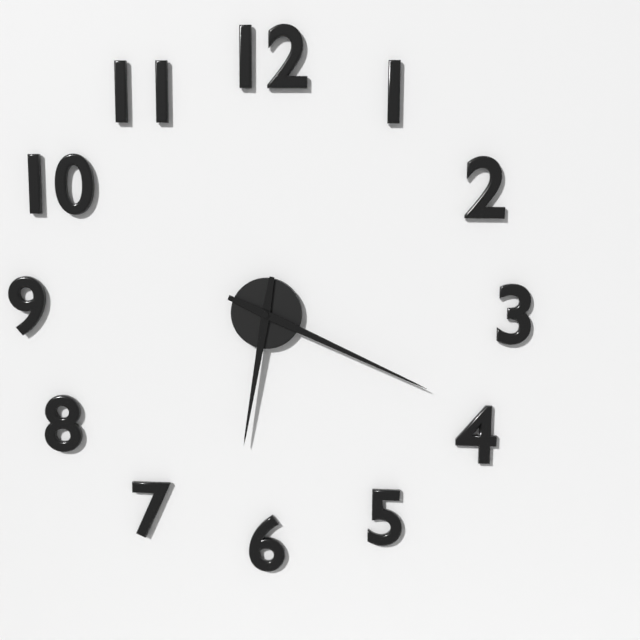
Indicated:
h=6 m=19
